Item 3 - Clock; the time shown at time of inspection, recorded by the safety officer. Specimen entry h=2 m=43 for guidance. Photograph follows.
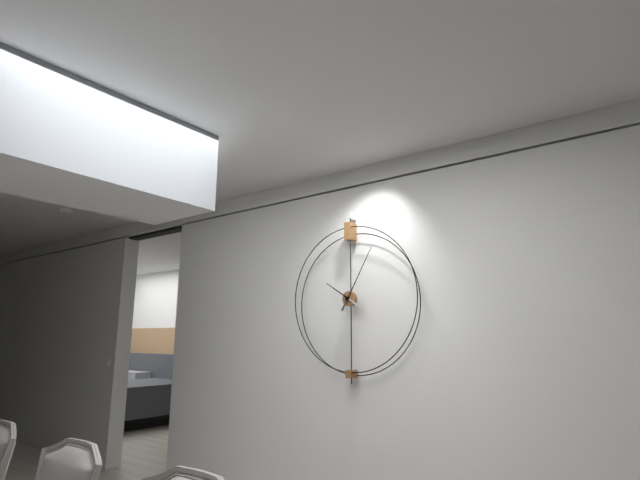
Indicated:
h=10 m=5
